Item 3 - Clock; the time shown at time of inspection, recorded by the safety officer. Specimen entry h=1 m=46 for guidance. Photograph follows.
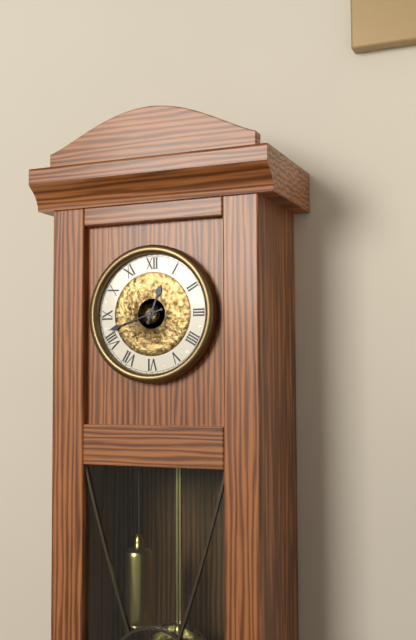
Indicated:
h=12 m=42
